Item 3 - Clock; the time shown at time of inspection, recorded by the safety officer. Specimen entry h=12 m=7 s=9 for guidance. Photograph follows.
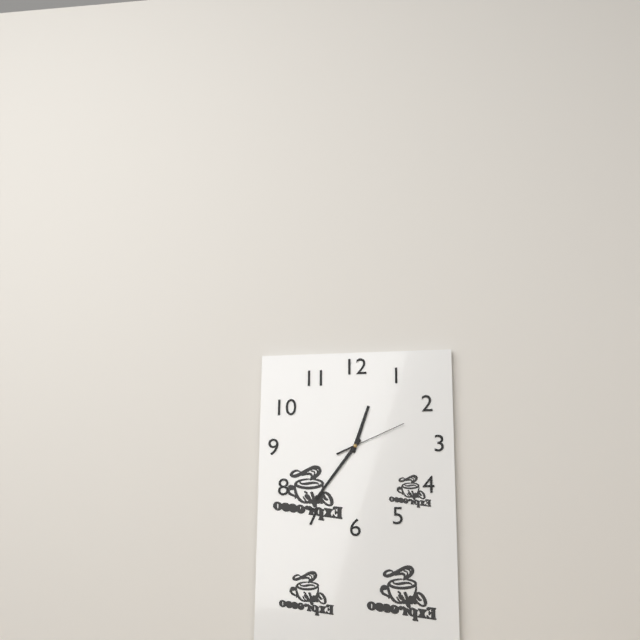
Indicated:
h=12 m=36 s=11
